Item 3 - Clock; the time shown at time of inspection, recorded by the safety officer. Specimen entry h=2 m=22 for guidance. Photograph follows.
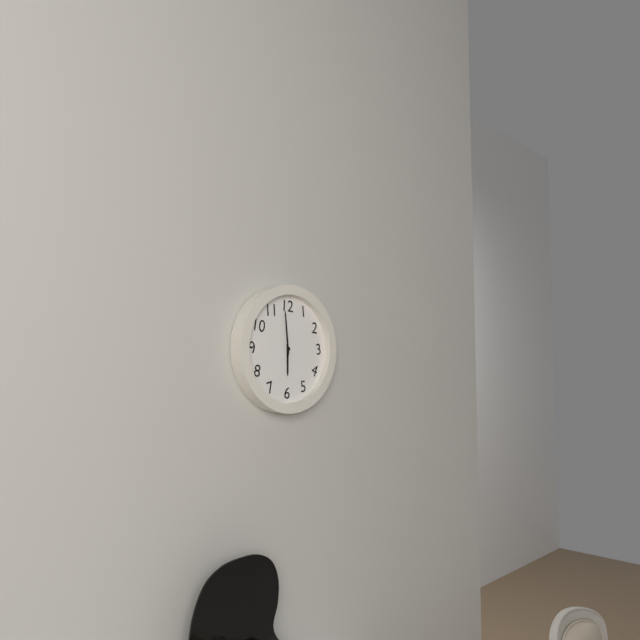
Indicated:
h=5 m=59
